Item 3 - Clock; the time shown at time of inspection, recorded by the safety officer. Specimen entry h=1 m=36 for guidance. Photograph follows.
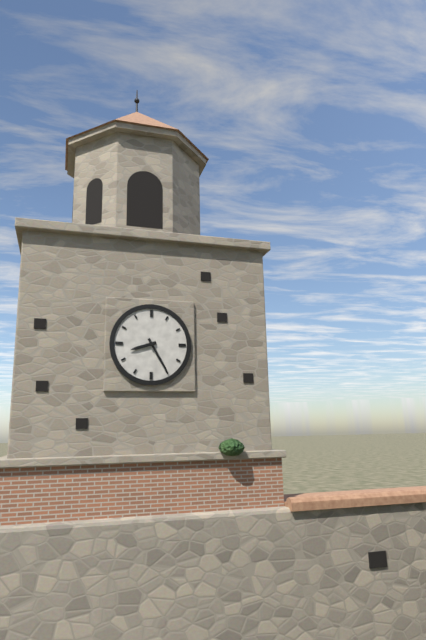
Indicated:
h=8 m=25
